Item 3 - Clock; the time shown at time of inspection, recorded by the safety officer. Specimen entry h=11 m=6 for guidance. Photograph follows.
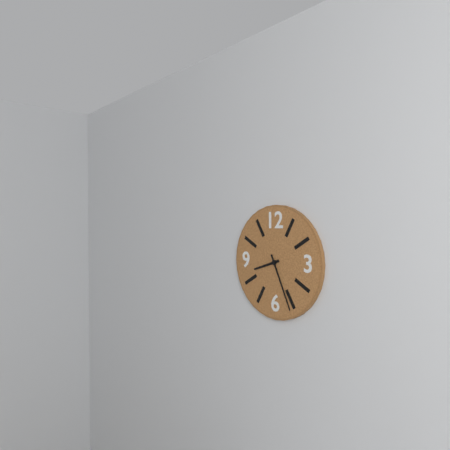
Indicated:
h=8 m=26
